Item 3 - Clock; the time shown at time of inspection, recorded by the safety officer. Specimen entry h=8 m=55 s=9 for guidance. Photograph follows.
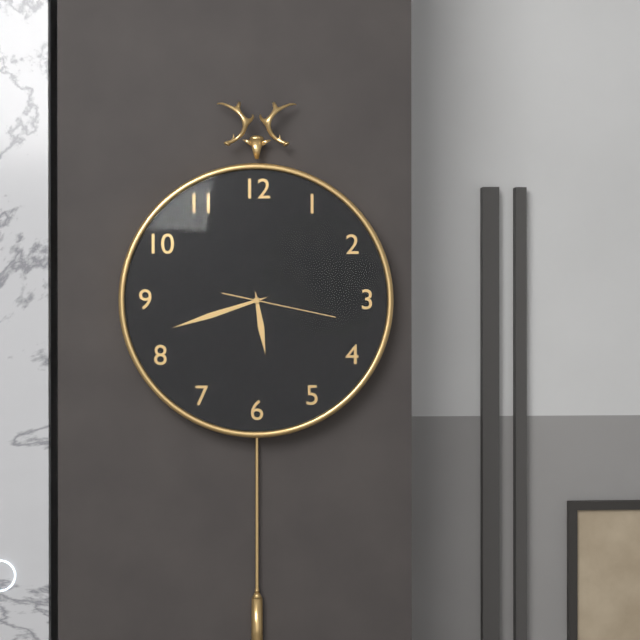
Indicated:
h=5 m=42 s=17
